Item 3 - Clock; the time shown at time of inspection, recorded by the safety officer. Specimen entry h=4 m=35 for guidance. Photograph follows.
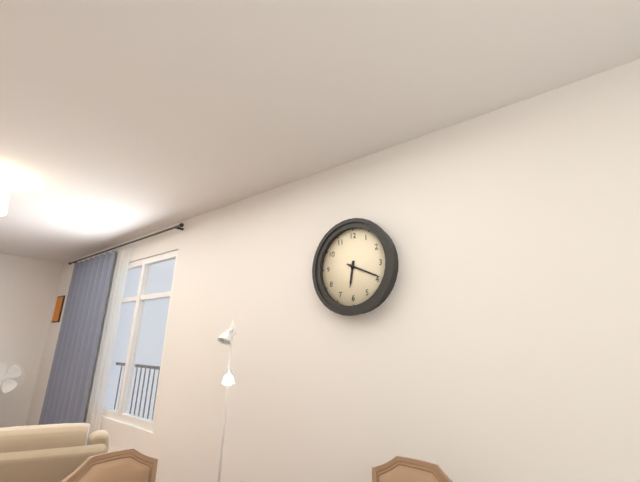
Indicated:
h=6 m=19
